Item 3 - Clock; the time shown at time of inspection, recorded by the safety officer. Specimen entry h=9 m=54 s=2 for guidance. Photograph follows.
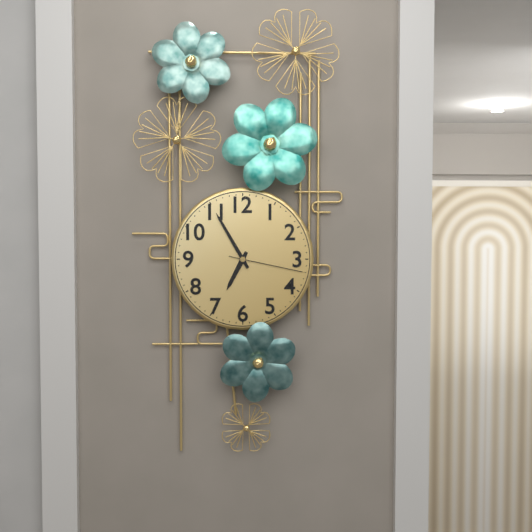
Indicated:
h=6 m=55 s=17
